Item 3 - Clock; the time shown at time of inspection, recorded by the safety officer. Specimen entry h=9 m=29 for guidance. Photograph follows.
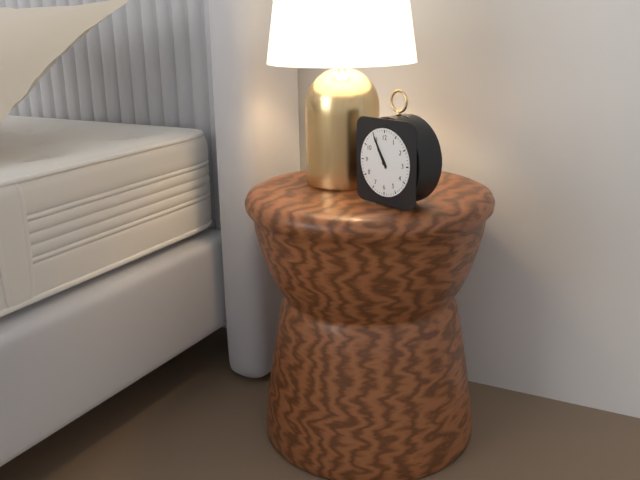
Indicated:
h=10 m=55
